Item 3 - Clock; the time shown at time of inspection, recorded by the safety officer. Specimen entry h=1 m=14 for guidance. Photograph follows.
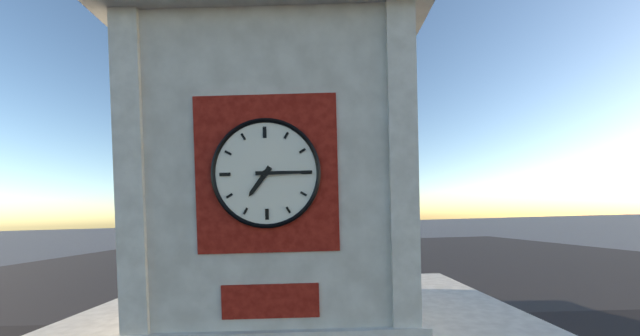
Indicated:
h=7 m=15
